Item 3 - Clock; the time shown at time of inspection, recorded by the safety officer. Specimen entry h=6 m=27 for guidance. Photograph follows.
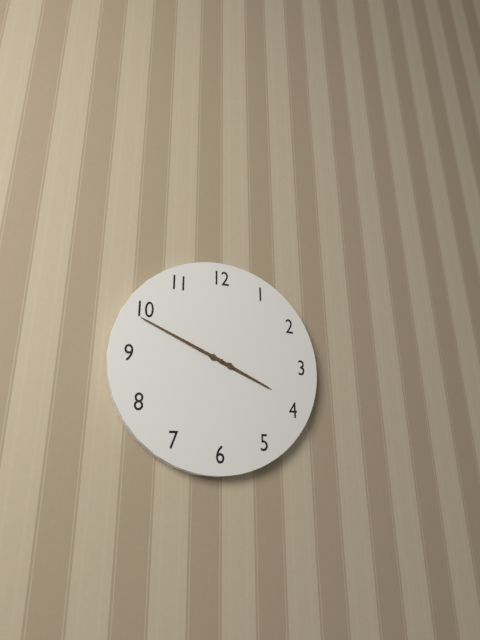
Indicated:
h=3 m=49
